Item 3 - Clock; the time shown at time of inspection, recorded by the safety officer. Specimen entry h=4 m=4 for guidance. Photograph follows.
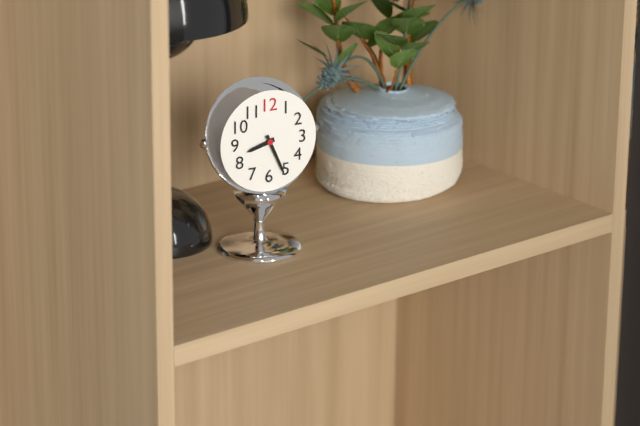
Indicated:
h=8 m=26
